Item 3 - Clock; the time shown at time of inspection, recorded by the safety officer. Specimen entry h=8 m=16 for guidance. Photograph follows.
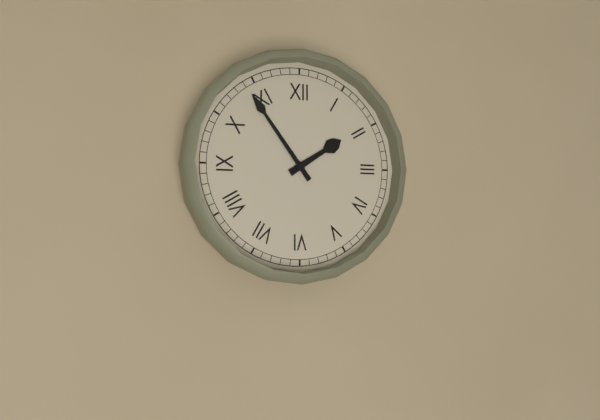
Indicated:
h=1 m=54
